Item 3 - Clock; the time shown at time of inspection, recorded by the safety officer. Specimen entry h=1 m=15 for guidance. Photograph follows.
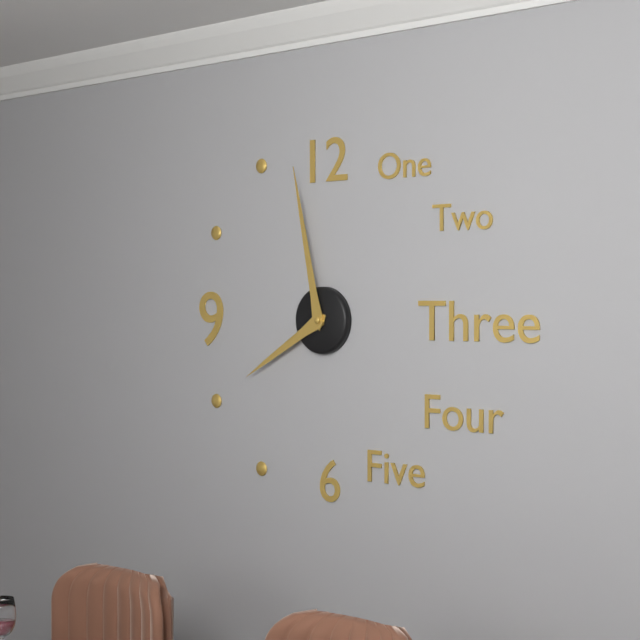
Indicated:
h=7 m=58
